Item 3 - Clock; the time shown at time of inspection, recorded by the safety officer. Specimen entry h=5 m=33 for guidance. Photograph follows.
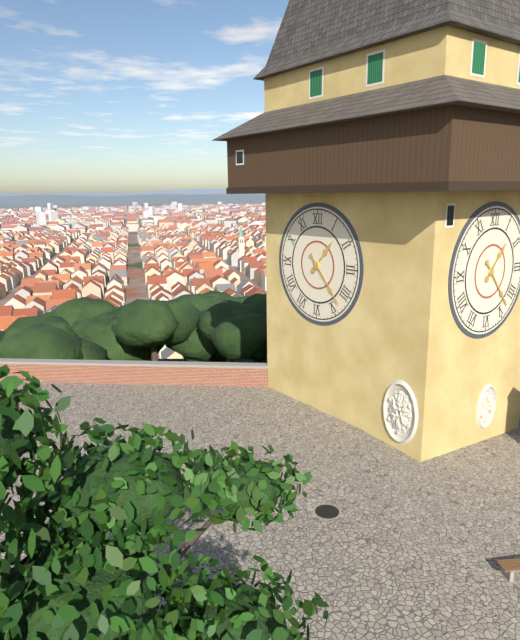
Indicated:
h=1 m=23
